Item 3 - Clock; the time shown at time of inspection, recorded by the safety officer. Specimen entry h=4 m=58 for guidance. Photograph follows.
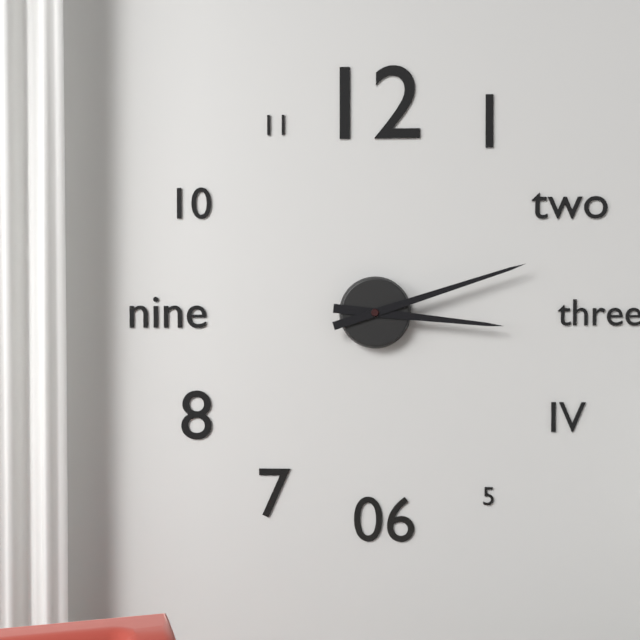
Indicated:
h=3 m=12
